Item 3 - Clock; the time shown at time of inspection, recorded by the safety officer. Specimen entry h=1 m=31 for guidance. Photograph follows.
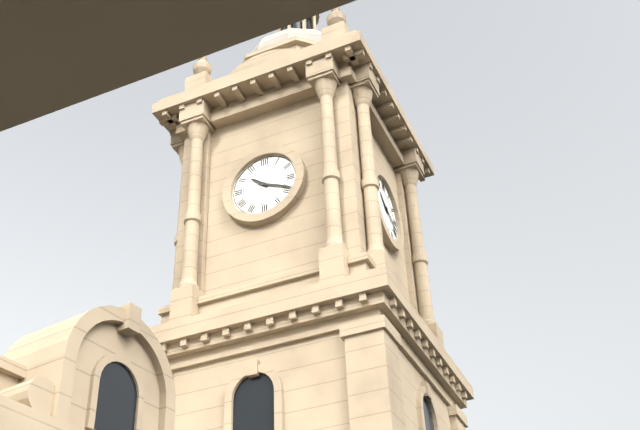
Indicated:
h=10 m=19
